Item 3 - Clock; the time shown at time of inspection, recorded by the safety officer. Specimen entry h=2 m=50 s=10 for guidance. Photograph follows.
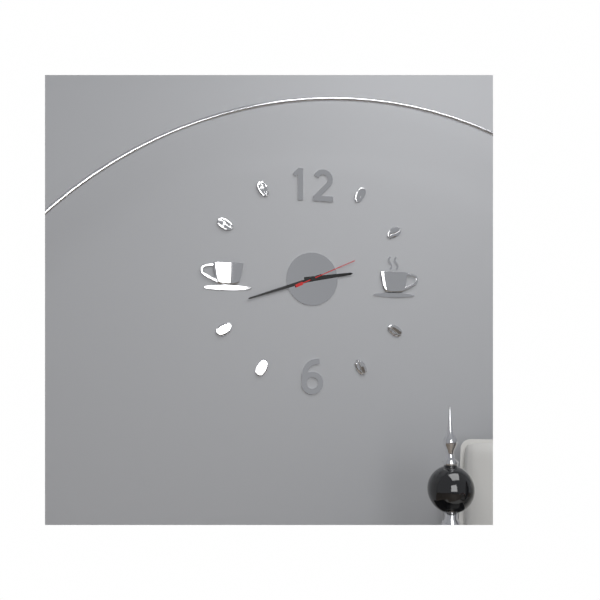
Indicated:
h=2 m=42 s=11
